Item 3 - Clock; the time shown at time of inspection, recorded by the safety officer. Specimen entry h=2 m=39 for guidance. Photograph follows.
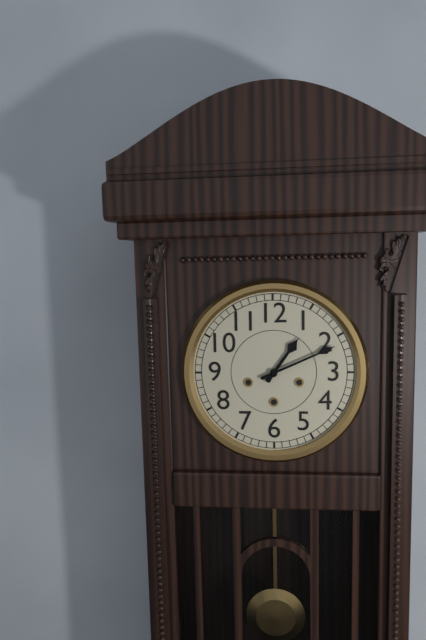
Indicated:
h=1 m=11
